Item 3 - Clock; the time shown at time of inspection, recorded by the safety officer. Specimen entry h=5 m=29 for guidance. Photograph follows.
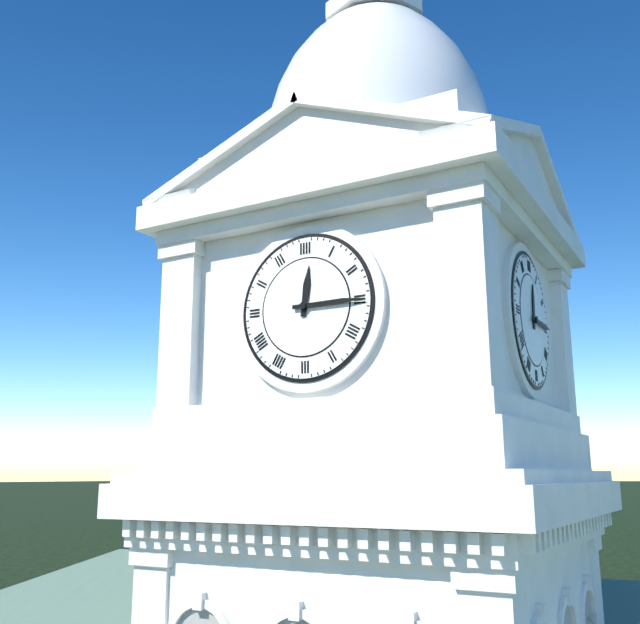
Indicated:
h=12 m=15
